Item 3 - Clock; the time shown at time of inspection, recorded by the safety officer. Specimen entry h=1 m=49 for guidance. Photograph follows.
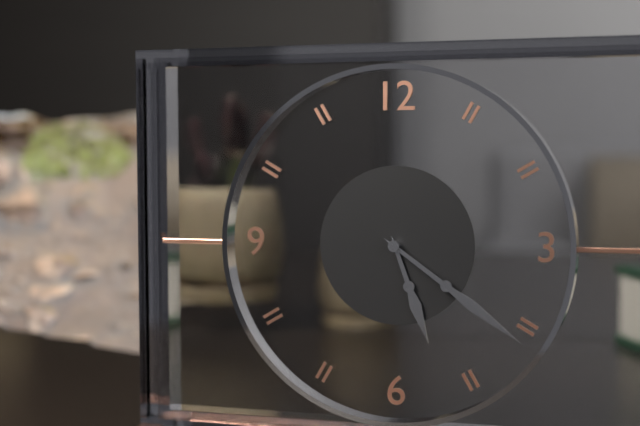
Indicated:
h=5 m=21
